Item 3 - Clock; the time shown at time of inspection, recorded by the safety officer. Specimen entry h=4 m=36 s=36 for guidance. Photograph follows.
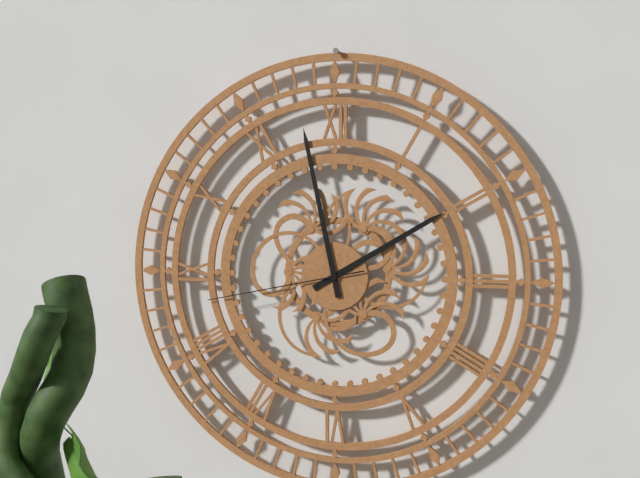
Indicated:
h=1 m=58 s=43
